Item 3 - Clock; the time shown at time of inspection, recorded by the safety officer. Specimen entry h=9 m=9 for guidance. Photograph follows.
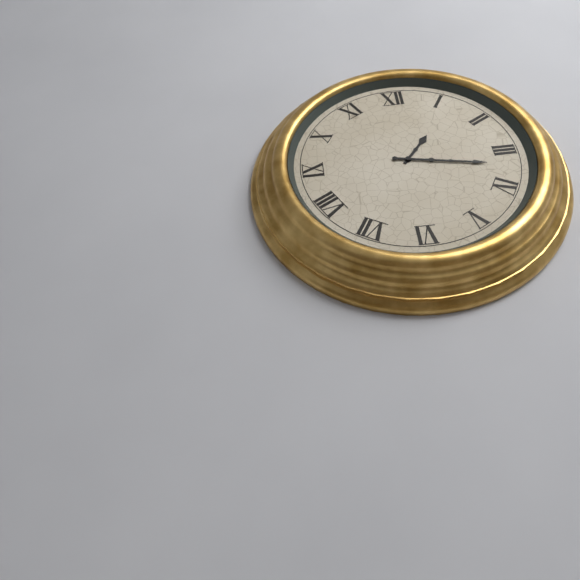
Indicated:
h=1 m=17
